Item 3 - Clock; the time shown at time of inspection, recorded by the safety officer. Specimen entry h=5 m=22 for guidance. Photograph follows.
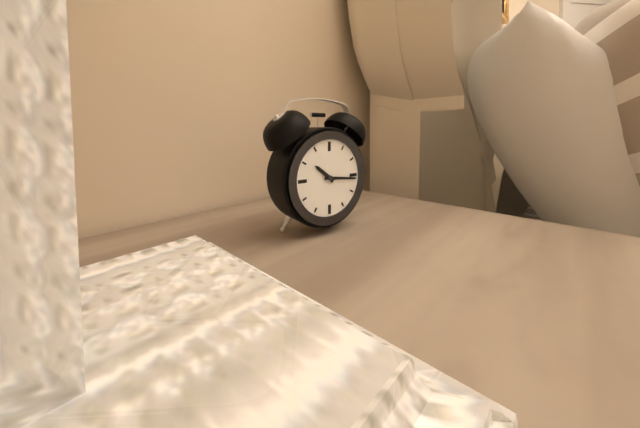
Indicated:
h=10 m=16
